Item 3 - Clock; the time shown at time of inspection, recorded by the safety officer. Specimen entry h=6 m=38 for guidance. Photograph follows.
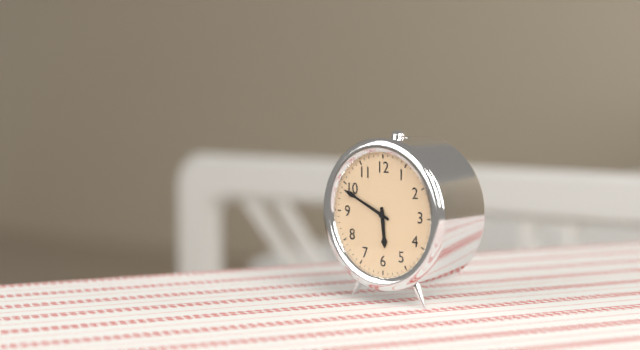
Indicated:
h=5 m=49
